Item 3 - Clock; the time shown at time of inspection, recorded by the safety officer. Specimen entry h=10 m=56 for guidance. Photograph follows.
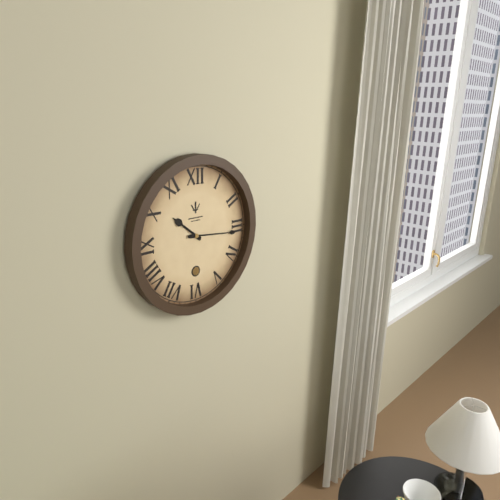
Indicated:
h=10 m=16
